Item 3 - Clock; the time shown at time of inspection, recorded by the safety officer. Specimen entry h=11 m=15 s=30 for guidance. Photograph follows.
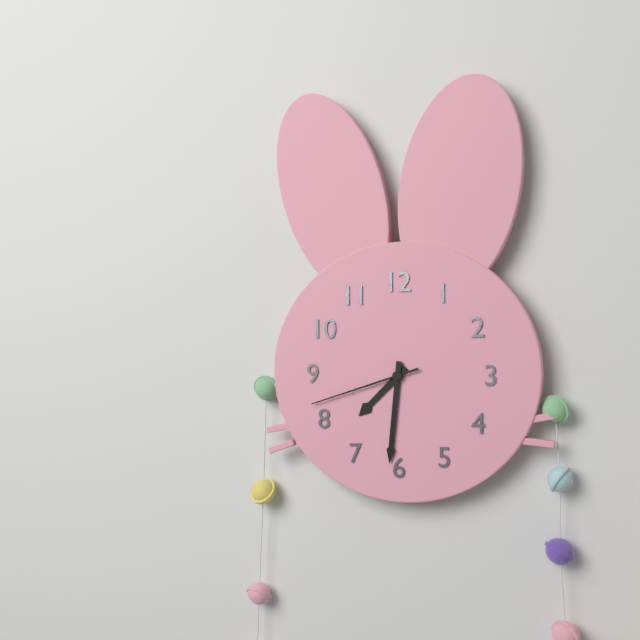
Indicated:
h=7 m=31 s=42
